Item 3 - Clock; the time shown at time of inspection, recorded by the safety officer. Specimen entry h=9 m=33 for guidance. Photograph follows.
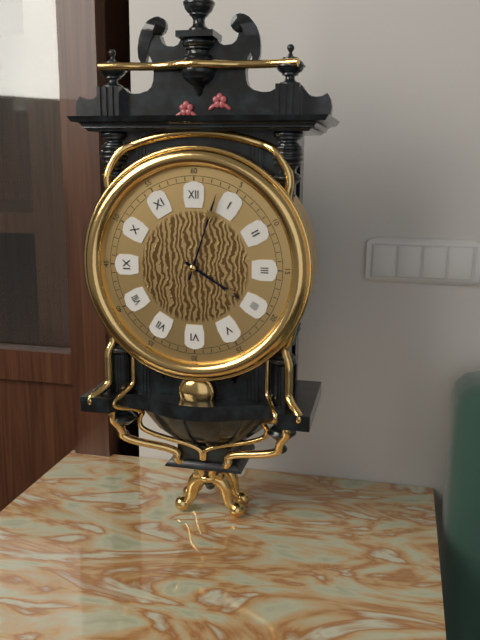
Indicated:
h=4 m=3
